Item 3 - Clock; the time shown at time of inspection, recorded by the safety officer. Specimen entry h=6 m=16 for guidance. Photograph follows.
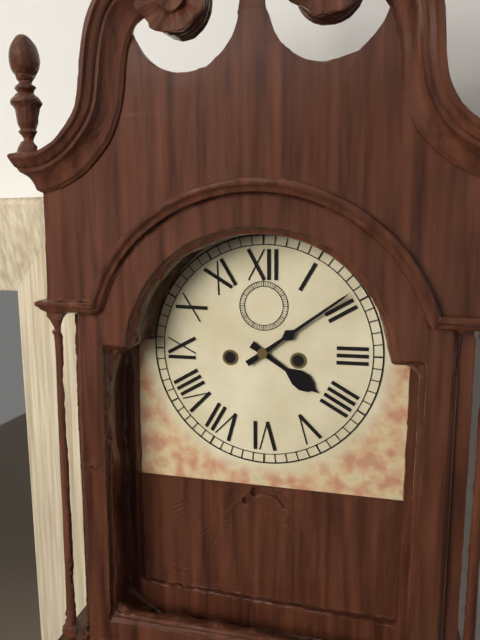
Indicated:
h=4 m=9
